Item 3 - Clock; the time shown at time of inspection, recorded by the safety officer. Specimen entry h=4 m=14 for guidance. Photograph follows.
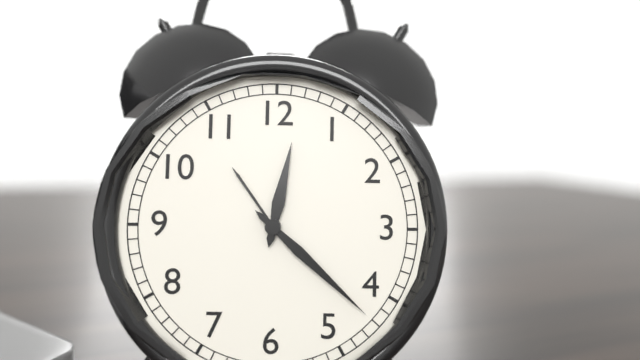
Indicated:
h=12 m=22
